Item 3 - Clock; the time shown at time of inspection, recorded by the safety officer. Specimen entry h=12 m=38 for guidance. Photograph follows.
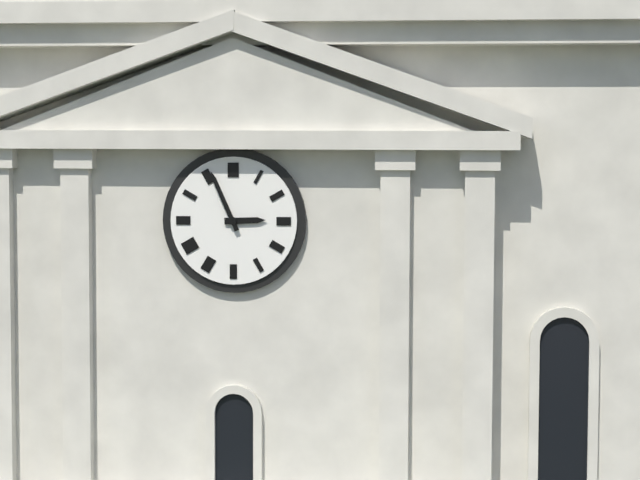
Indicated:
h=2 m=56
